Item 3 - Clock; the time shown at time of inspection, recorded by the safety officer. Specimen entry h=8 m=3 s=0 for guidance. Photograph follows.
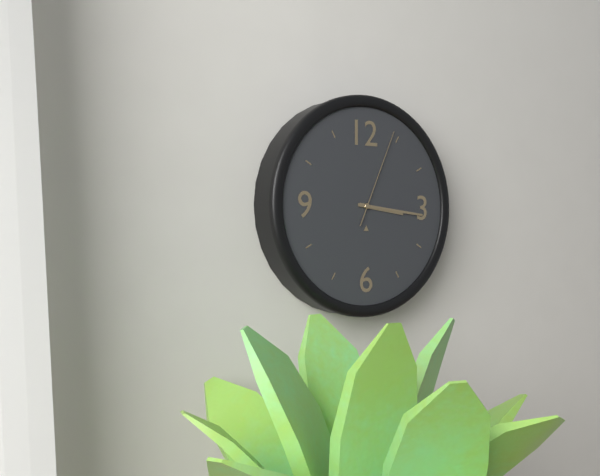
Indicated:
h=3 m=16 s=4
